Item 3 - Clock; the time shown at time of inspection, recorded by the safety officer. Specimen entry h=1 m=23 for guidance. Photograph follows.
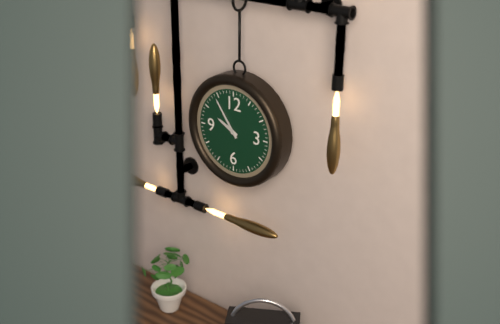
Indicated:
h=9 m=54
